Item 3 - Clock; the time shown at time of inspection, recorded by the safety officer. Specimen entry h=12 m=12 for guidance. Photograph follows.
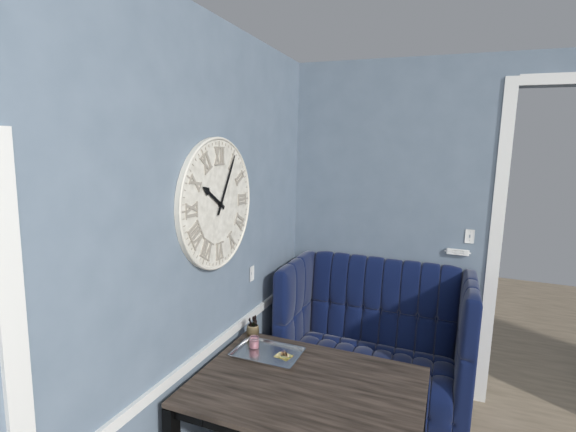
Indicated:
h=10 m=5
